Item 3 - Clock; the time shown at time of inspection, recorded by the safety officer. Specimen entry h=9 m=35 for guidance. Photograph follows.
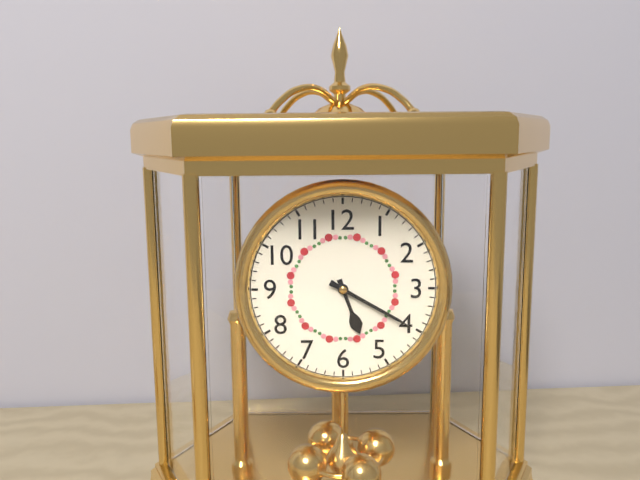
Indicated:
h=5 m=20
